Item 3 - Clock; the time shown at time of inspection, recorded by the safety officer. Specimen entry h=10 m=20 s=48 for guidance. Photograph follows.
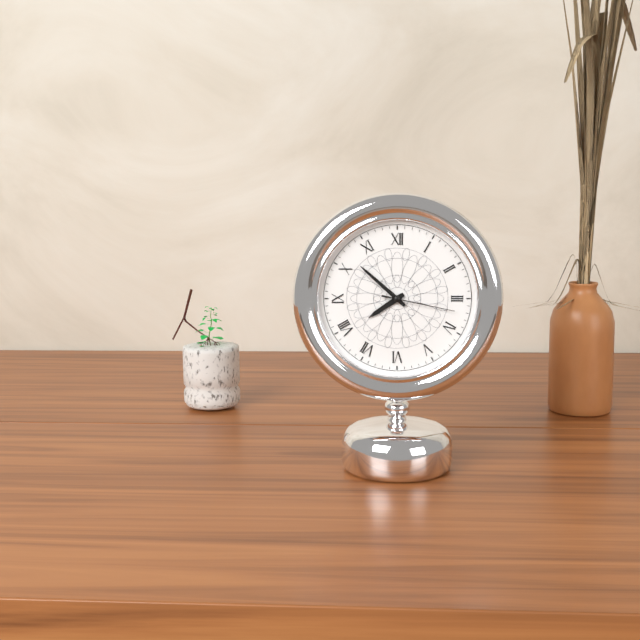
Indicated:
h=7 m=52 s=17
